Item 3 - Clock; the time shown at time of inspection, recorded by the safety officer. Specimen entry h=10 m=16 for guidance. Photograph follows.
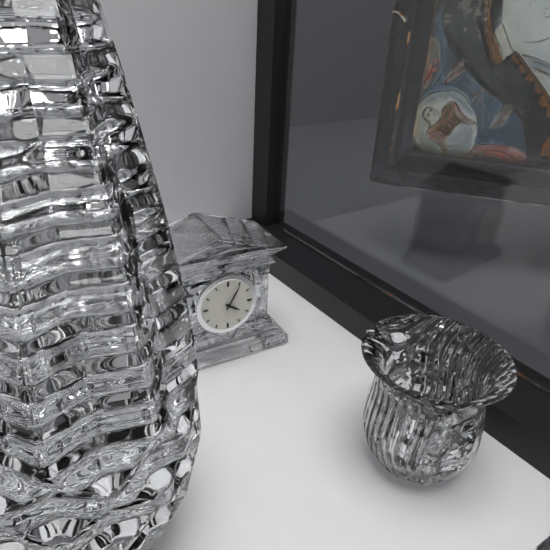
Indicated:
h=4 m=5
